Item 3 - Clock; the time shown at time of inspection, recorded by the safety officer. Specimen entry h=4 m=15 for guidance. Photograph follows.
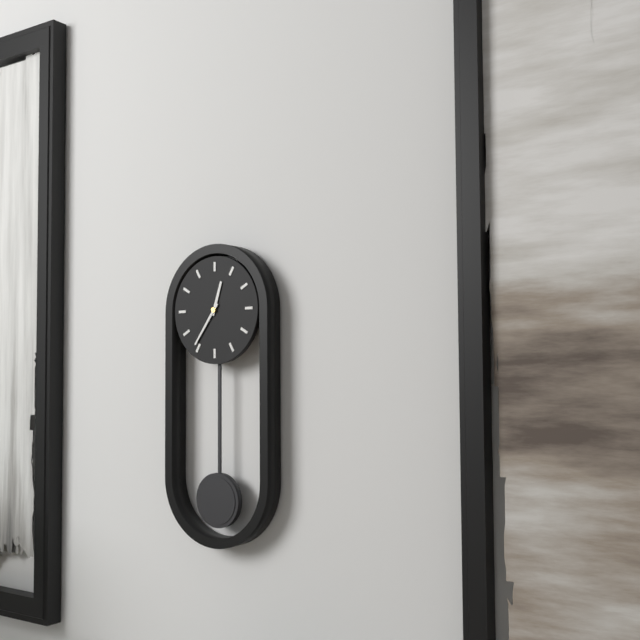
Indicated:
h=12 m=36
